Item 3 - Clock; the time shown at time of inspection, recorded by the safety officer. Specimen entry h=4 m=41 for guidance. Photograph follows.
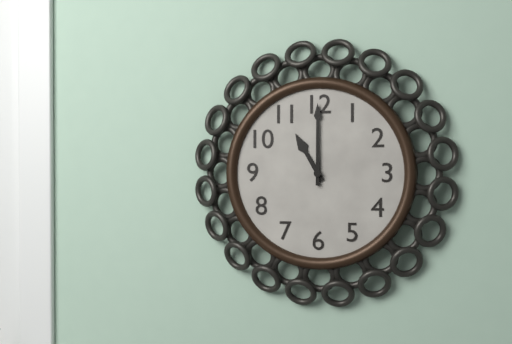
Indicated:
h=11 m=0
